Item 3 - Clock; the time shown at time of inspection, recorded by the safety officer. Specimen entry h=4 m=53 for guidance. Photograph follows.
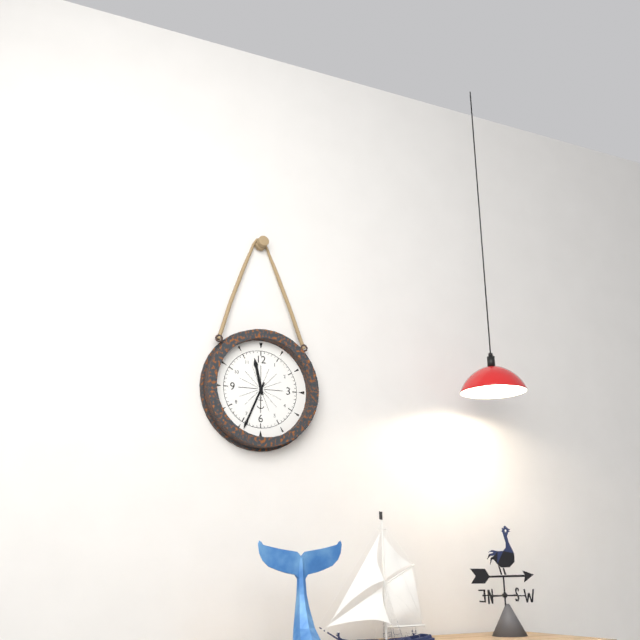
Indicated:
h=11 m=34
